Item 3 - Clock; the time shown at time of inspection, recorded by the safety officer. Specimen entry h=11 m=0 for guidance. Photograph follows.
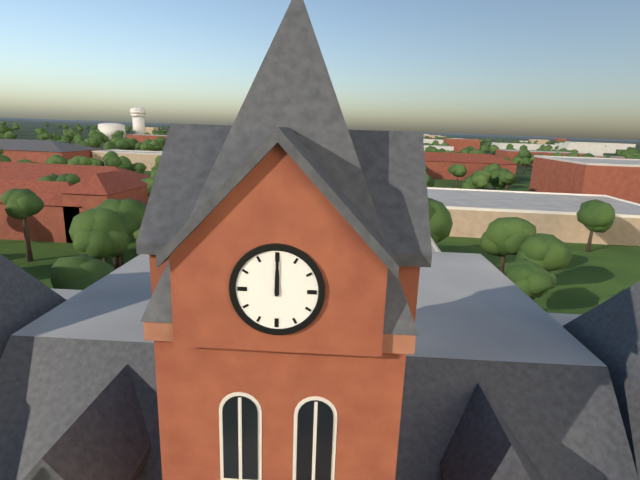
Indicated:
h=12 m=0
